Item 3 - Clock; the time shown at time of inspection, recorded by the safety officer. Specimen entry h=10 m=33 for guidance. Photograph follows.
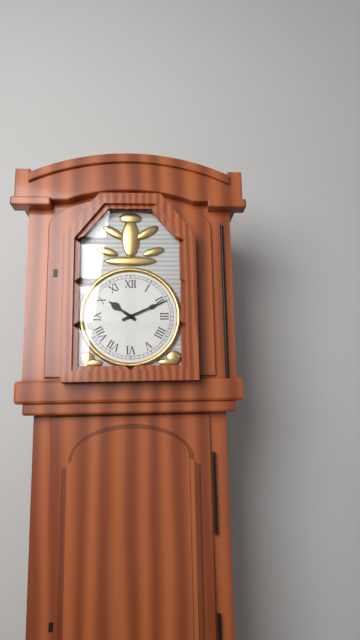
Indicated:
h=10 m=11
